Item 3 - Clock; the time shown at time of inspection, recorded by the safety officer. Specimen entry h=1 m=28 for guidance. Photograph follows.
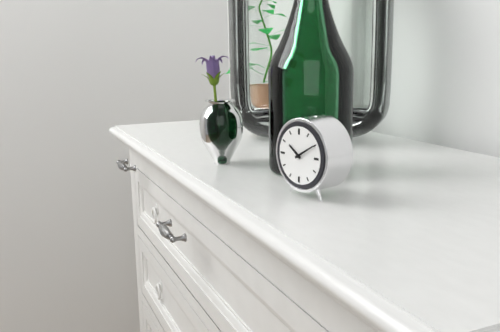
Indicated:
h=10 m=10
